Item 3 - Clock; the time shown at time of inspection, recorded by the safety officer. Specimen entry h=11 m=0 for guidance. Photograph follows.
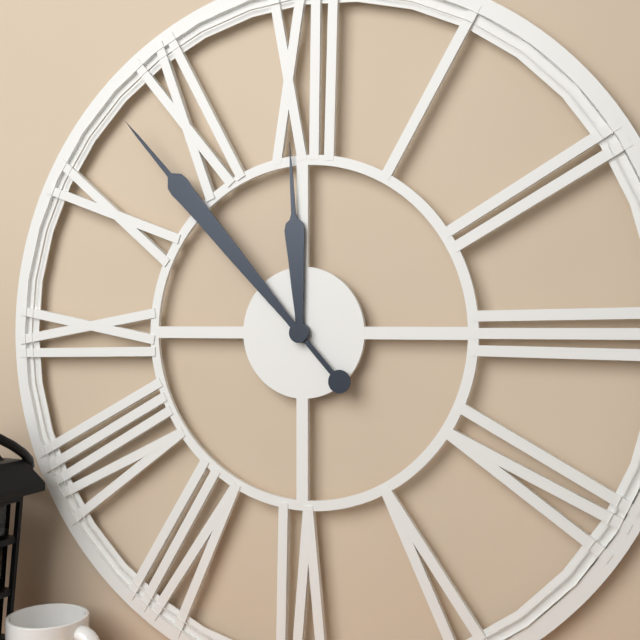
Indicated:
h=11 m=53
